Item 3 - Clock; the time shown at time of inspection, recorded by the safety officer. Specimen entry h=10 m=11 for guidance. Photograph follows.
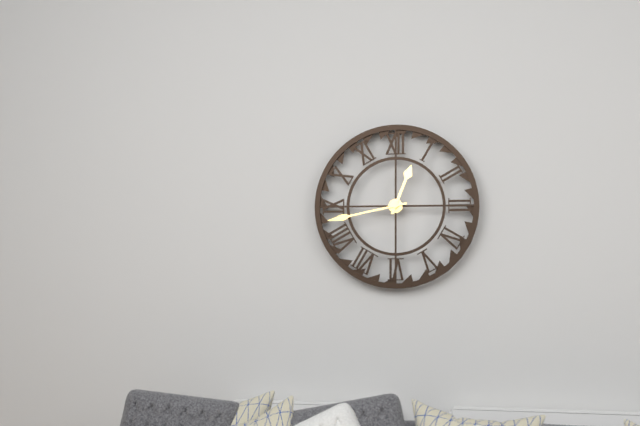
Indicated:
h=12 m=43
